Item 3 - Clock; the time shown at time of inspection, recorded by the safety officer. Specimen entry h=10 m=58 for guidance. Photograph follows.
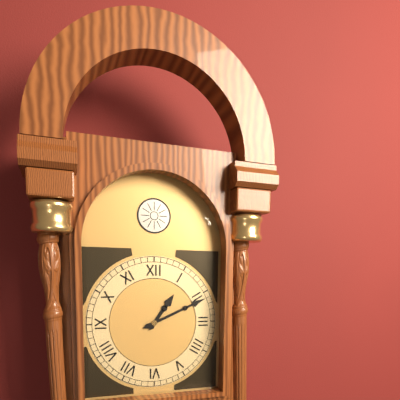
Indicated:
h=1 m=11
